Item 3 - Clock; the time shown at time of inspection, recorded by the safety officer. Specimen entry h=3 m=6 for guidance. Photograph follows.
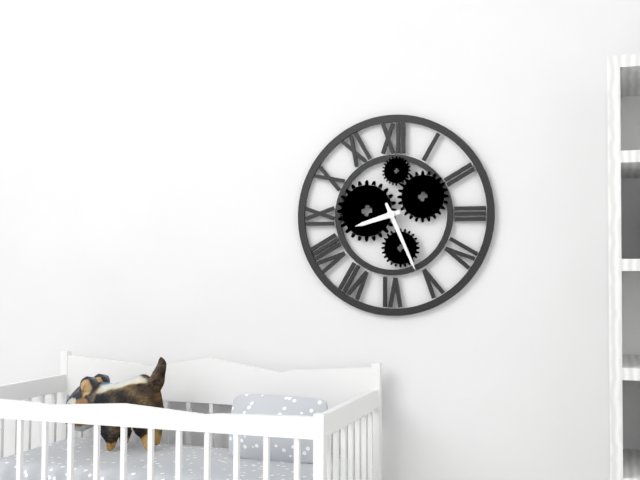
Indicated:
h=8 m=26
